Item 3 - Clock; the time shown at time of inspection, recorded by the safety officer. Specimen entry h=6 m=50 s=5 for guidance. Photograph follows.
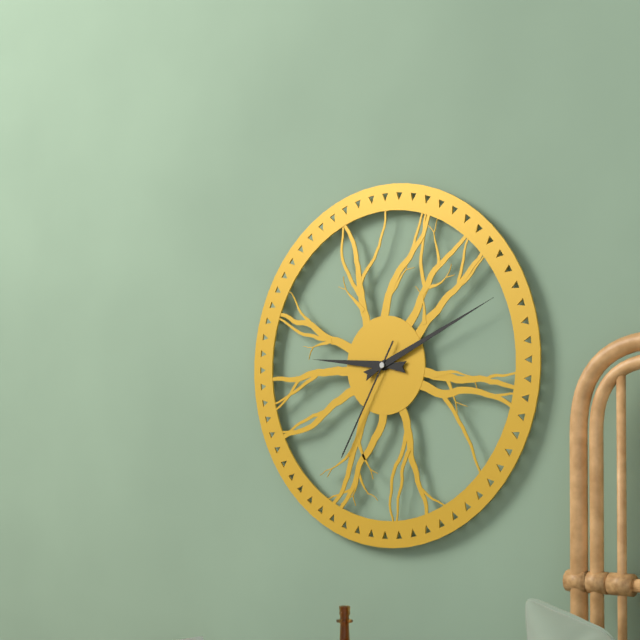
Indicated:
h=9 m=11 s=35
